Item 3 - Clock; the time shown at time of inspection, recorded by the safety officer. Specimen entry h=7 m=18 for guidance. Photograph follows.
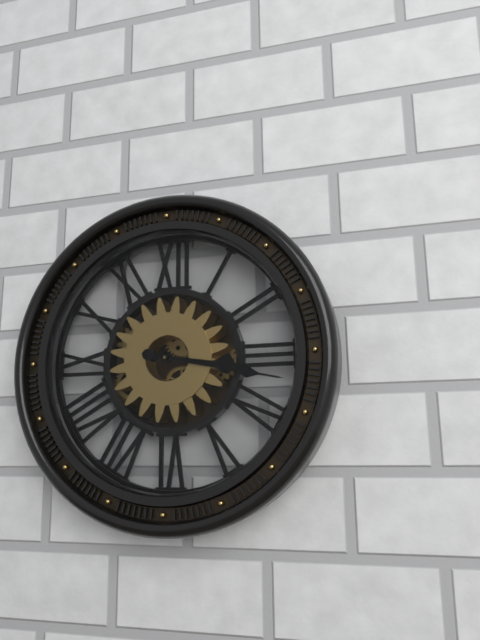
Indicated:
h=3 m=17
